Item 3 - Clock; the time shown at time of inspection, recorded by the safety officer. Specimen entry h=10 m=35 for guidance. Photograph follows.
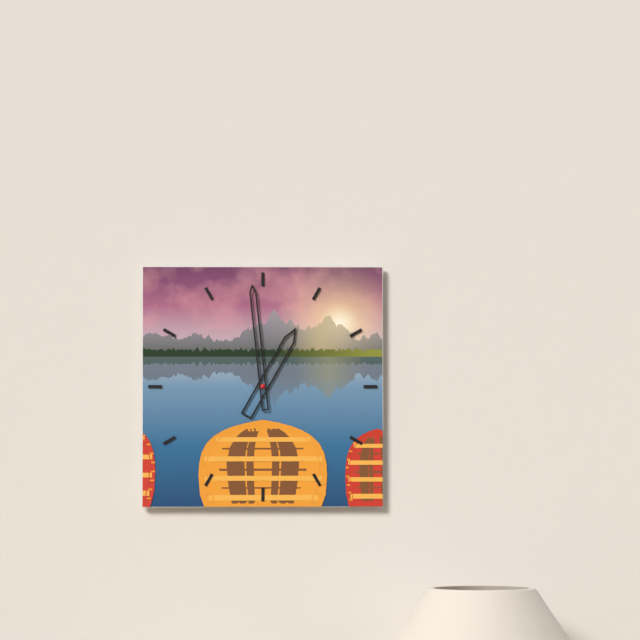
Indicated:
h=12 m=59
